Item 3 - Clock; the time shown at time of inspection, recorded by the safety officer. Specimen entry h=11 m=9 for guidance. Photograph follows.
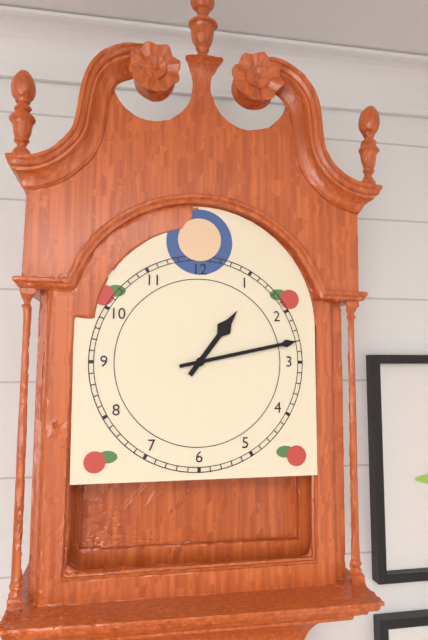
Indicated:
h=1 m=13
